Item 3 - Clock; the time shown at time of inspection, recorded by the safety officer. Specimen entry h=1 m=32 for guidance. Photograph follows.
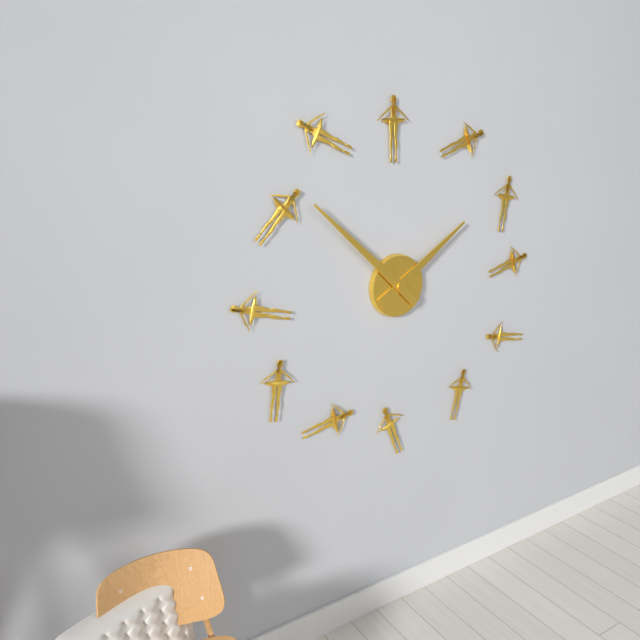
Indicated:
h=1 m=52
